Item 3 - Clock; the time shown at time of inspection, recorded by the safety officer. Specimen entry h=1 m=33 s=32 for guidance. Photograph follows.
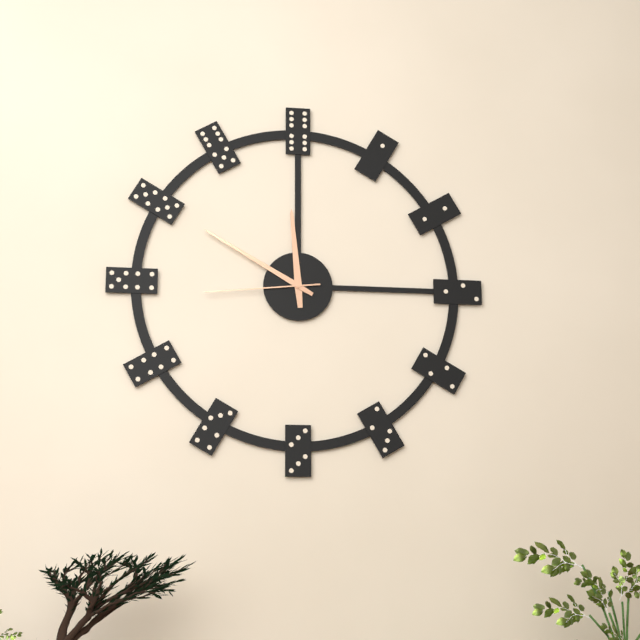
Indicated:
h=11 m=50 s=44
